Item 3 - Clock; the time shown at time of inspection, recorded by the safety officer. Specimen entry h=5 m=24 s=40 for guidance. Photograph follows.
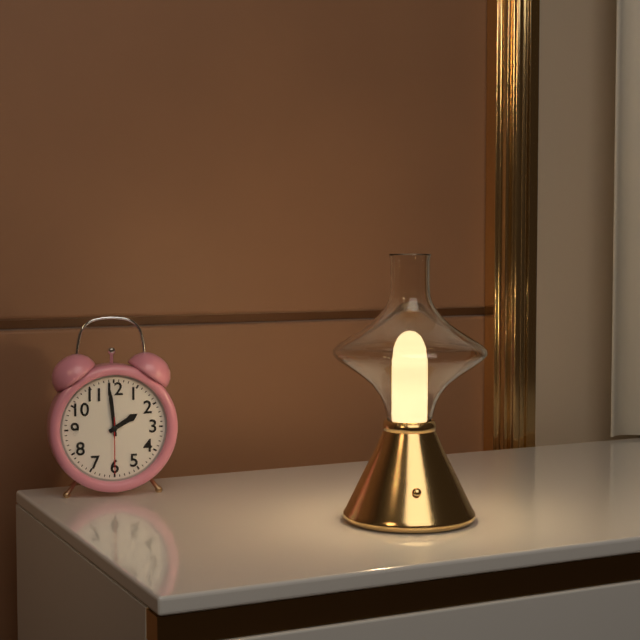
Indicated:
h=1 m=59 s=30
